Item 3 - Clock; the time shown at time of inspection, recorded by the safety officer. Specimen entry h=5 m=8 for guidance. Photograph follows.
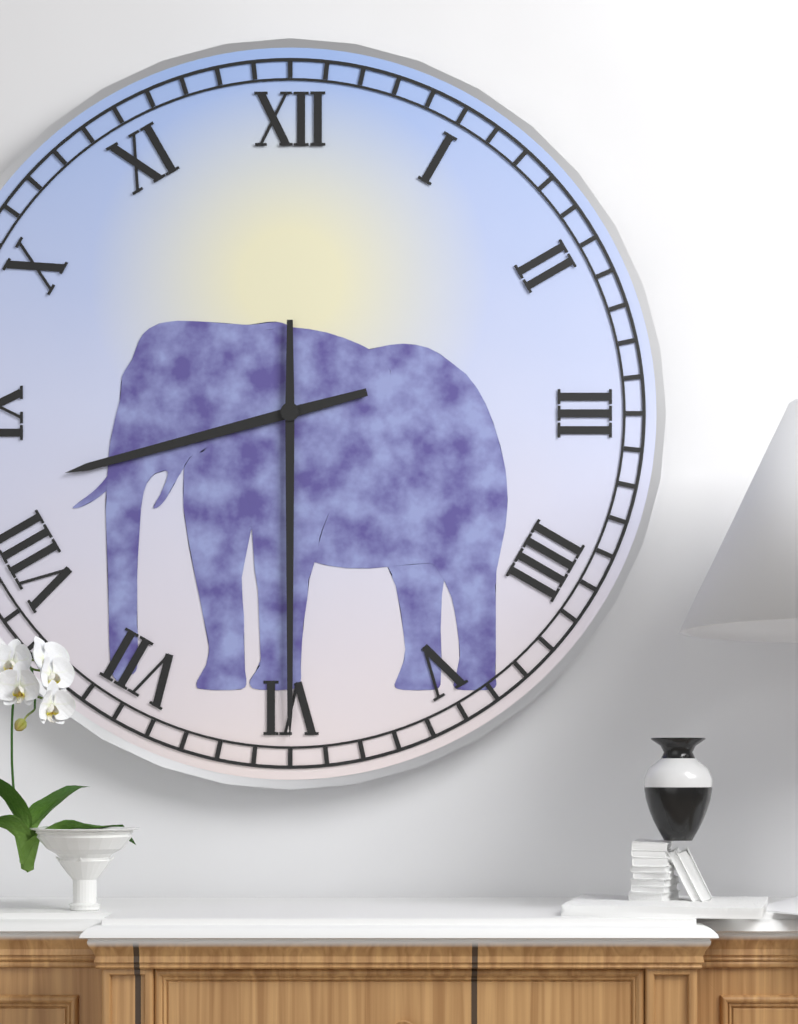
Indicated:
h=8 m=30
